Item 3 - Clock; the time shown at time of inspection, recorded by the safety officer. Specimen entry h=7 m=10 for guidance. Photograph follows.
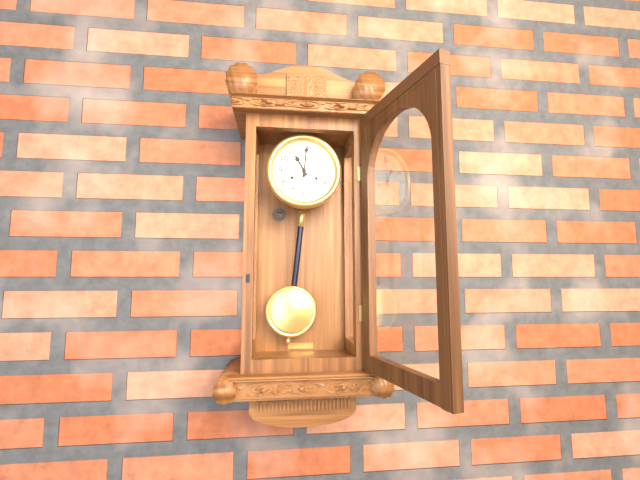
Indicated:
h=11 m=1
